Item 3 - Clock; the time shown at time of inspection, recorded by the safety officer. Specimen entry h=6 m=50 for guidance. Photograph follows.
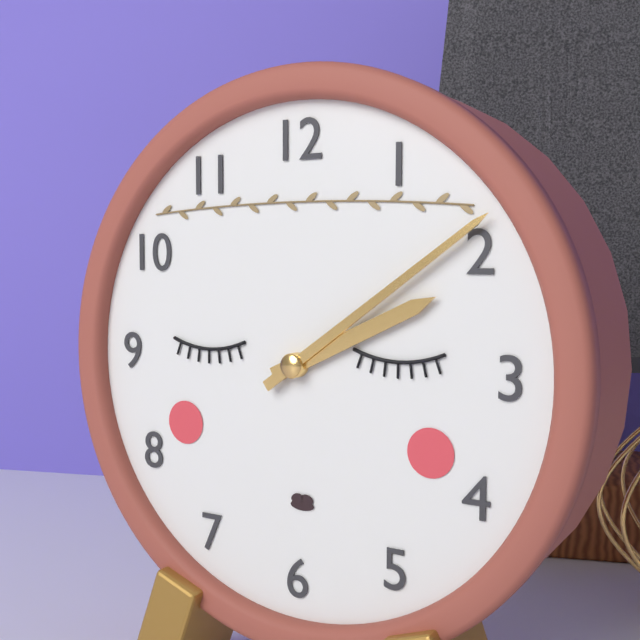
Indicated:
h=2 m=9
